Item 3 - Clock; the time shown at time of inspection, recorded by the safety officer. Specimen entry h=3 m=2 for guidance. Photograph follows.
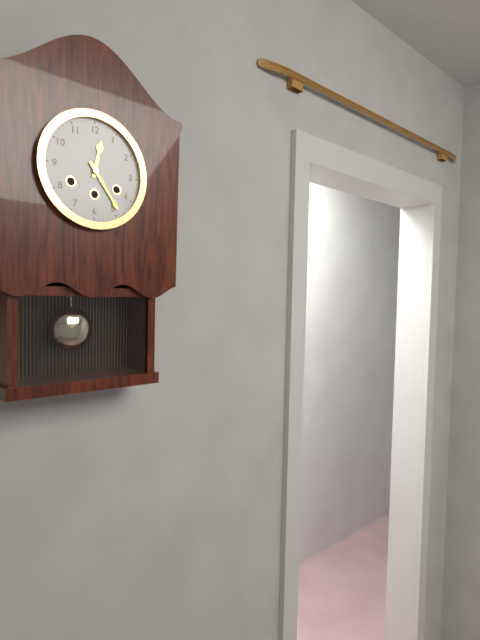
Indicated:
h=12 m=24
